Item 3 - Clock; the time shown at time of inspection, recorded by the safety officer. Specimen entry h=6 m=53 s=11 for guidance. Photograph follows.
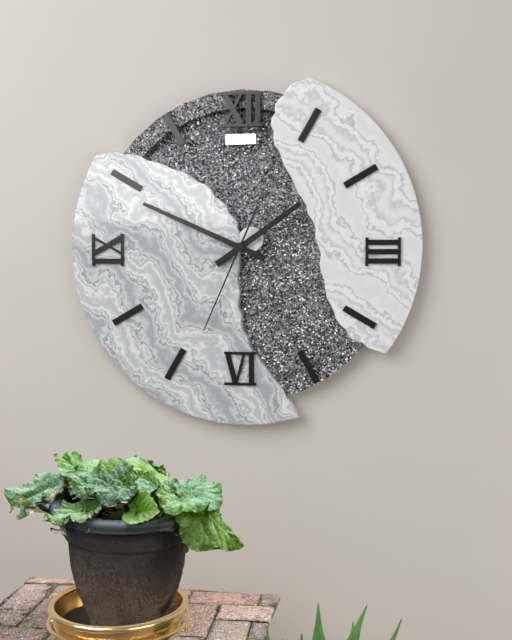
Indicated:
h=1 m=49 s=34
